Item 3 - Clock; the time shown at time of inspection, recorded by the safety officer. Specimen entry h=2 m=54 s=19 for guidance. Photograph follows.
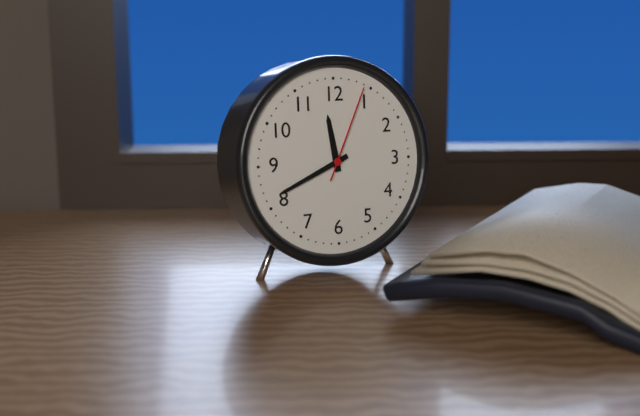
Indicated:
h=11 m=41 s=4
